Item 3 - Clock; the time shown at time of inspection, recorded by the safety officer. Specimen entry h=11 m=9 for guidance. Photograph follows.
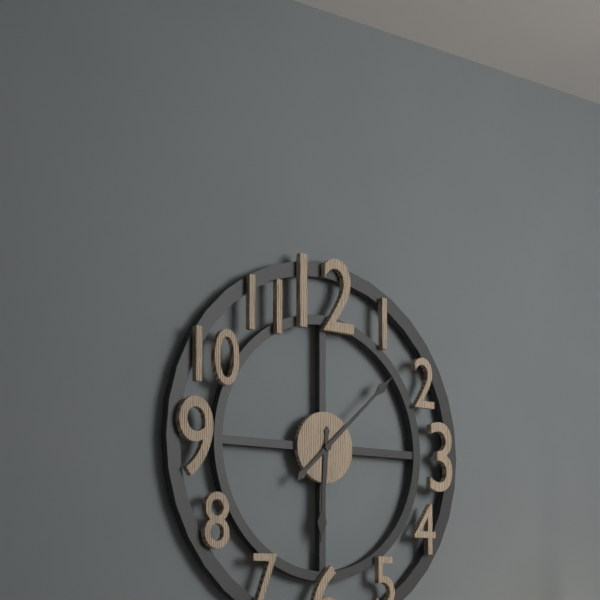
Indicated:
h=6 m=8
